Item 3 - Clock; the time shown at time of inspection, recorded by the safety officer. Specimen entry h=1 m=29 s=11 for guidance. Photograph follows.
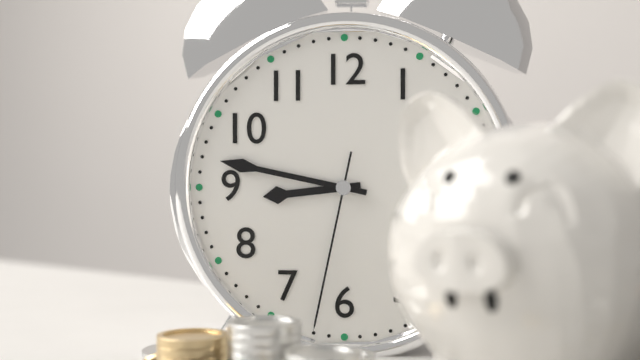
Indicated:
h=8 m=47 s=32
